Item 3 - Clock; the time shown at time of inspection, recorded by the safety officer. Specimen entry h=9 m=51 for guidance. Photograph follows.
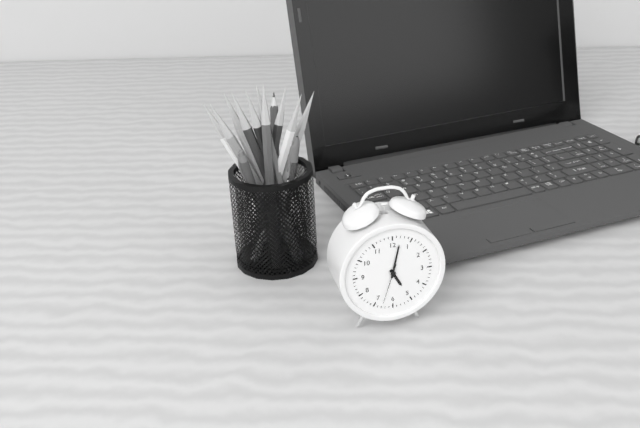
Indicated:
h=5 m=2
